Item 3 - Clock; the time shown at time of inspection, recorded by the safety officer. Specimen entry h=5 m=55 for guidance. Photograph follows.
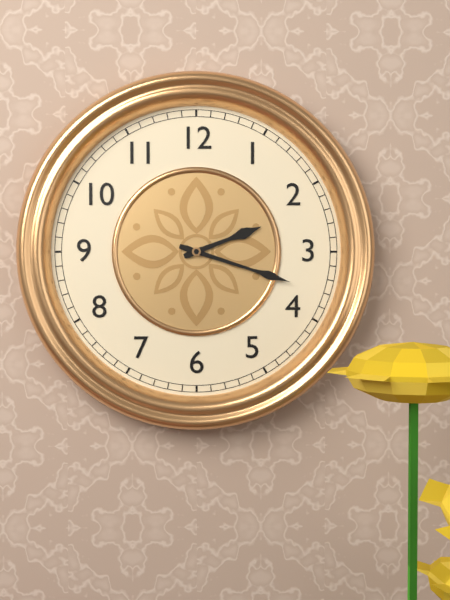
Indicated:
h=2 m=18
